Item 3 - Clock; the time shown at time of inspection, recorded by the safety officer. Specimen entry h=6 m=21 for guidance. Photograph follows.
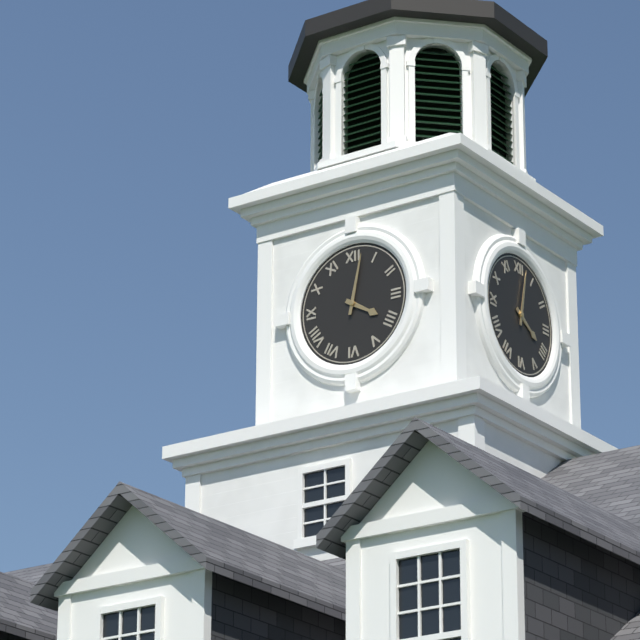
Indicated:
h=4 m=2
